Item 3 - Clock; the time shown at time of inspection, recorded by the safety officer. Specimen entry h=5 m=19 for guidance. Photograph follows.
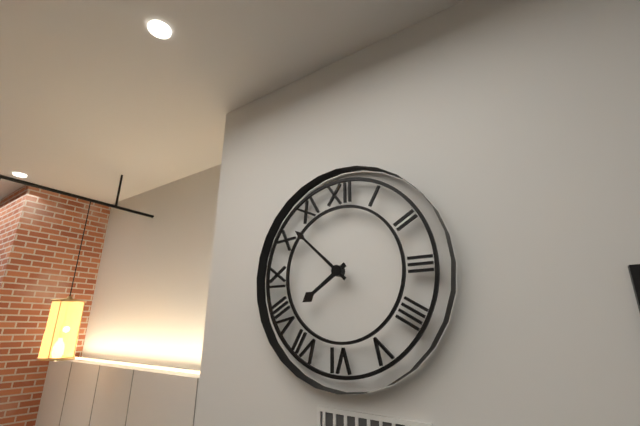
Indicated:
h=7 m=52
